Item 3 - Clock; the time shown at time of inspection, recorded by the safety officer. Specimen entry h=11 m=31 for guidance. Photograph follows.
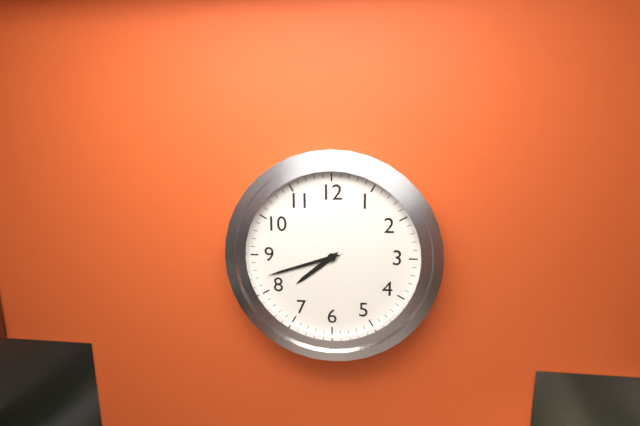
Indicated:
h=7 m=42
